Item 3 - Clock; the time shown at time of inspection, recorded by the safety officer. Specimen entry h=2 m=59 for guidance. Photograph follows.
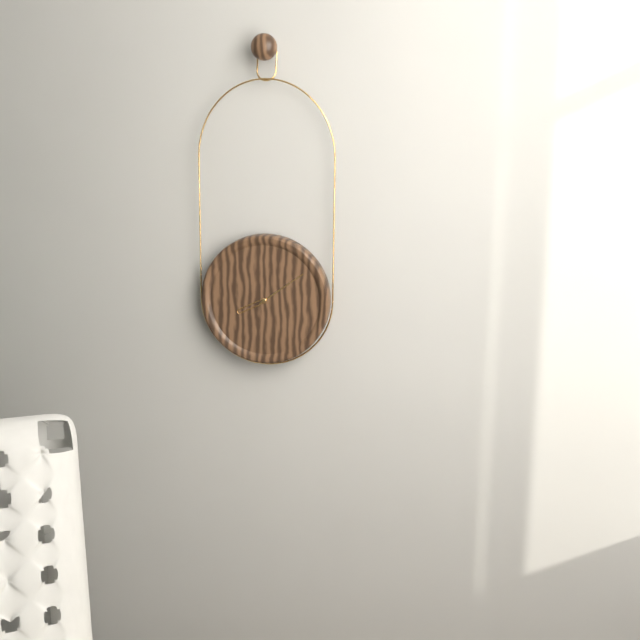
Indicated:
h=8 m=9
